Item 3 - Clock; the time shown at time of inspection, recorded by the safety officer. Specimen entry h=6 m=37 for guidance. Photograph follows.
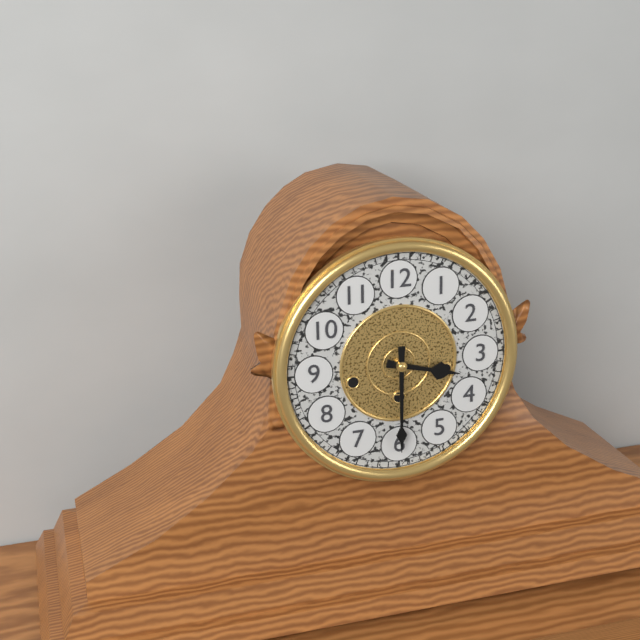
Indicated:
h=3 m=30
